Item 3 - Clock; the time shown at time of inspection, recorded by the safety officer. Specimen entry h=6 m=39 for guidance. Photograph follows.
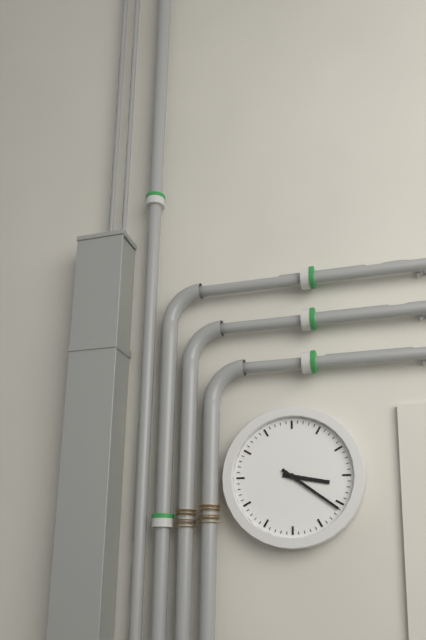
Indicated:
h=3 m=21
